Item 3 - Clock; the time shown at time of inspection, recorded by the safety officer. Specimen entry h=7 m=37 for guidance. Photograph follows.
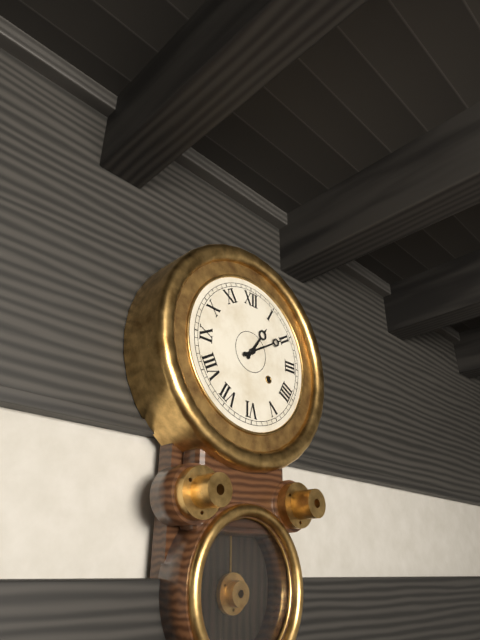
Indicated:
h=1 m=10
